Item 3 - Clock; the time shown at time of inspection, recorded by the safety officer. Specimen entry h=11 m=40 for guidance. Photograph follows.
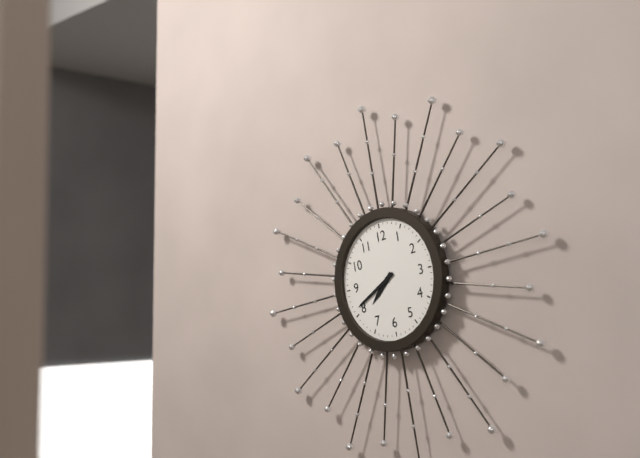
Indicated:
h=7 m=41
